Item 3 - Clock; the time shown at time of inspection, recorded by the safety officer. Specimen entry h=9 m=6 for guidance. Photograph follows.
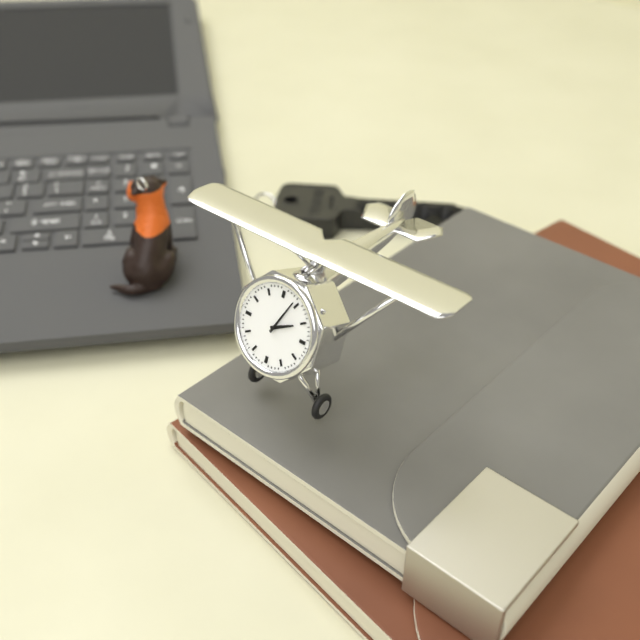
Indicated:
h=2 m=4
